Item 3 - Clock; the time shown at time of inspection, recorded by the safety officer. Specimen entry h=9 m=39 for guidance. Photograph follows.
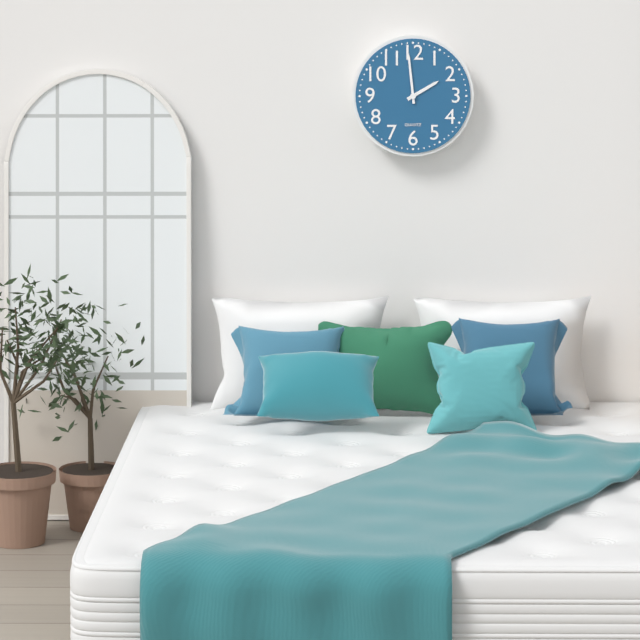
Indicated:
h=1 m=59
